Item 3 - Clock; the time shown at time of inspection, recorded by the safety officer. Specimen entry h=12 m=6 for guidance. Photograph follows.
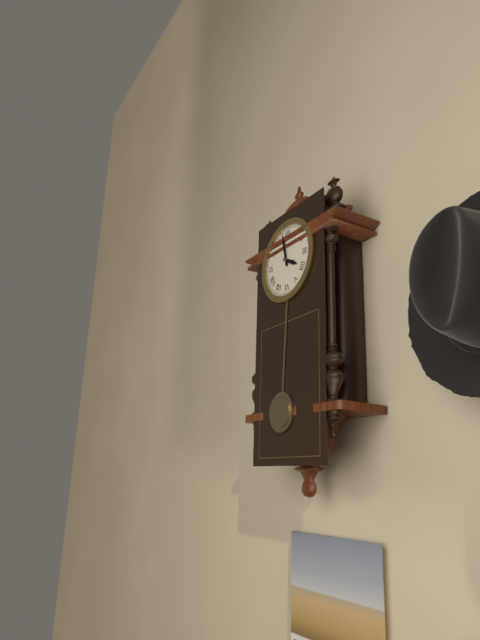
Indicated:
h=3 m=58
